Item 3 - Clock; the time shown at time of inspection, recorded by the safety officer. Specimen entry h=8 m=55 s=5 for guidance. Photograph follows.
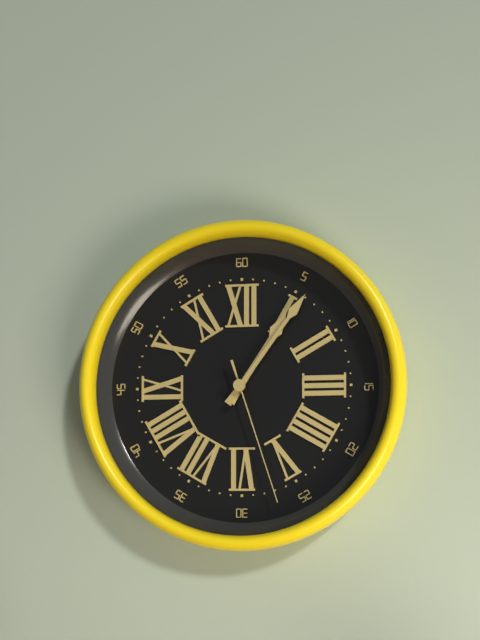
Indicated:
h=1 m=6 s=27
